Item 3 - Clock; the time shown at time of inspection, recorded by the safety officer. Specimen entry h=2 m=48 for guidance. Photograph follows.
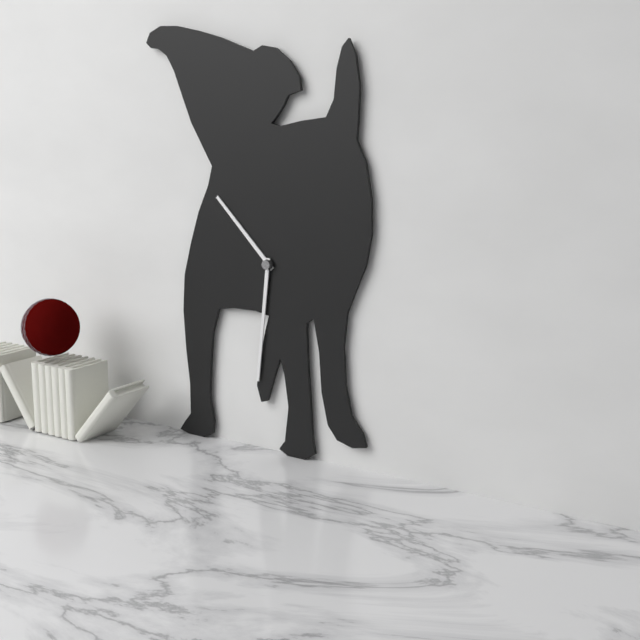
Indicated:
h=10 m=31
